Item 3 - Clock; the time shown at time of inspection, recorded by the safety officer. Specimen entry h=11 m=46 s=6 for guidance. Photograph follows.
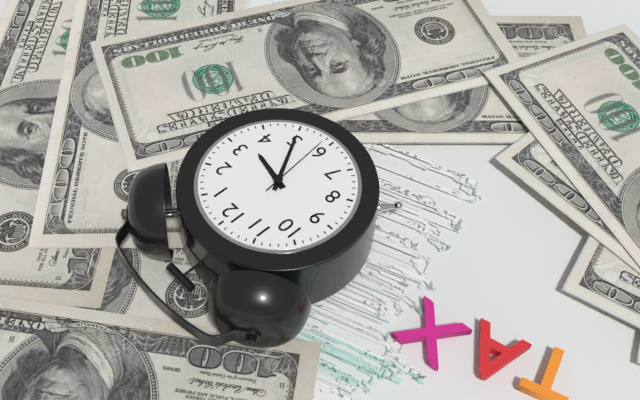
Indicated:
h=3 m=25 s=29
